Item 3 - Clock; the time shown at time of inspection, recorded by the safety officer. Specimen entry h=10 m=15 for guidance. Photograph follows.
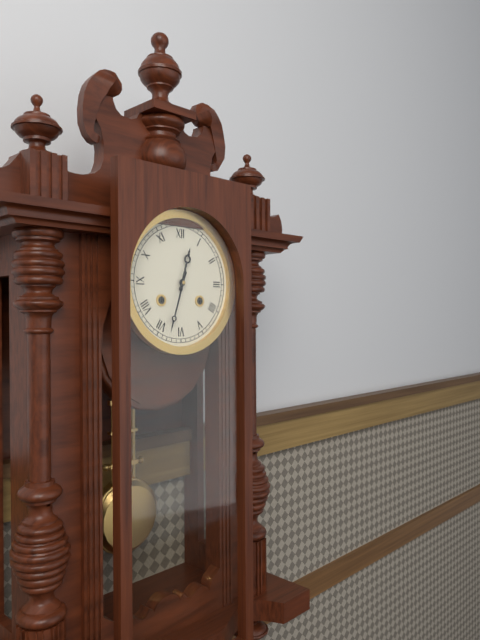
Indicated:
h=12 m=33
